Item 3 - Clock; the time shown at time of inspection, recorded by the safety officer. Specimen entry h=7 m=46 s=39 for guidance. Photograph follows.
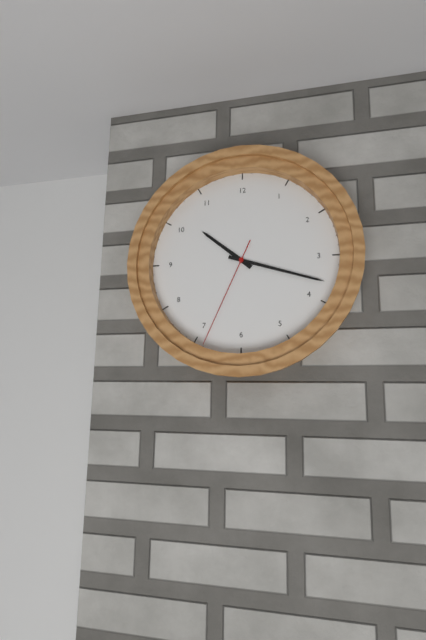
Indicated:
h=10 m=18 s=34
